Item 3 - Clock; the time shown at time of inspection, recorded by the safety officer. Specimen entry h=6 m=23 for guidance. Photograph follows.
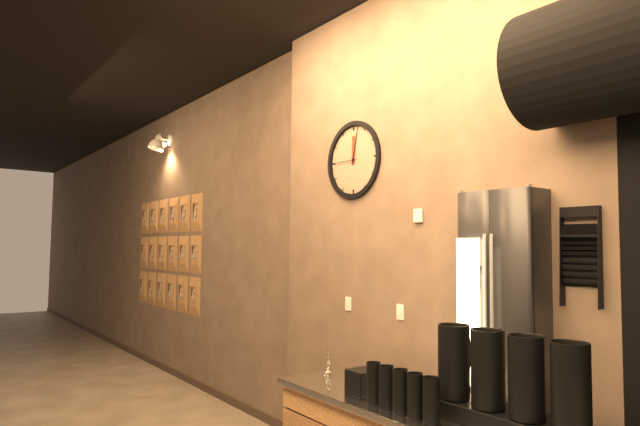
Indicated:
h=12 m=2
